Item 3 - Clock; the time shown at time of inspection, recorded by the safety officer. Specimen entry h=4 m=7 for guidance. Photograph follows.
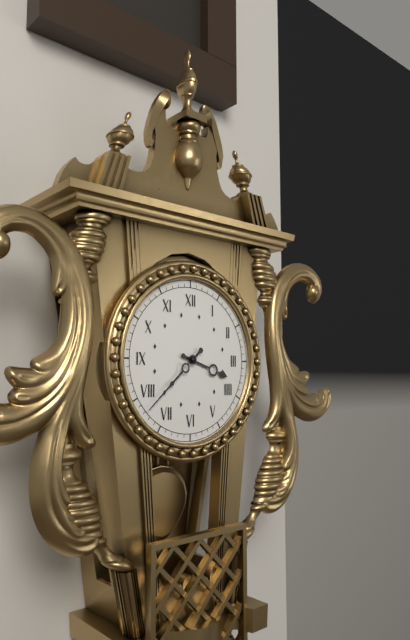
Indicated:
h=3 m=38
